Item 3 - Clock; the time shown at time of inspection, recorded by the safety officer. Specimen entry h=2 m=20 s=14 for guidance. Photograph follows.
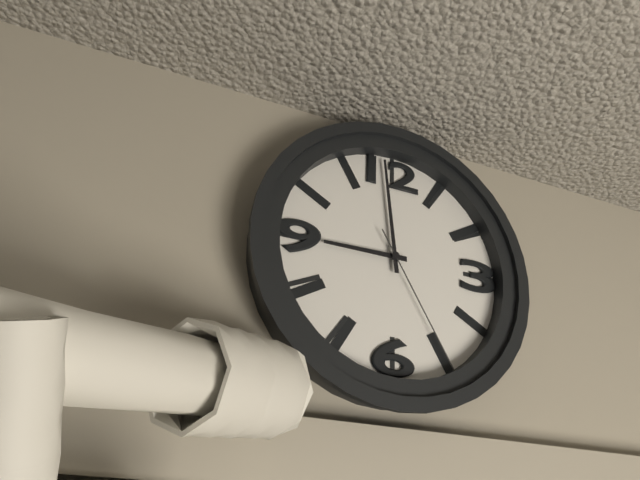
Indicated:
h=8 m=59 s=25
